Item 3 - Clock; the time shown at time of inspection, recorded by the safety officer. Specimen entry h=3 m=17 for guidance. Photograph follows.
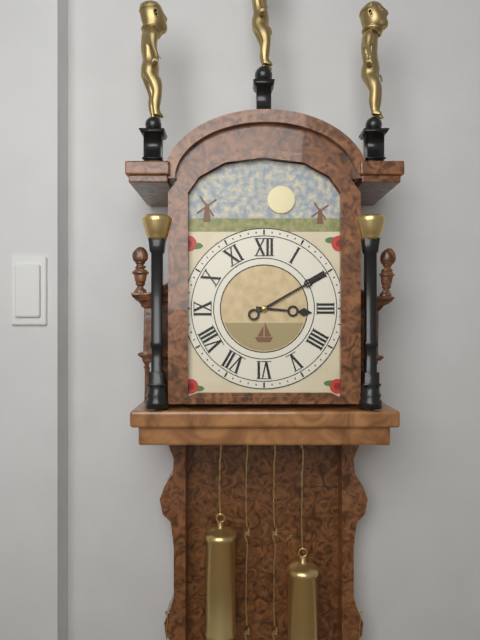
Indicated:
h=3 m=10
